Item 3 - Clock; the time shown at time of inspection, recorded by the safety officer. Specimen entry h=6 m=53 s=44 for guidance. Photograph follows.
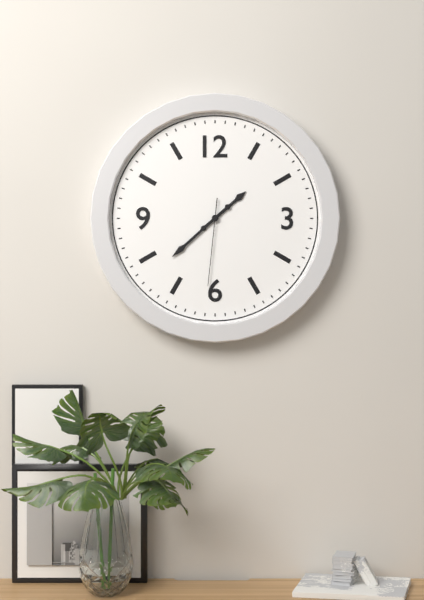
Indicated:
h=1 m=38 s=31
